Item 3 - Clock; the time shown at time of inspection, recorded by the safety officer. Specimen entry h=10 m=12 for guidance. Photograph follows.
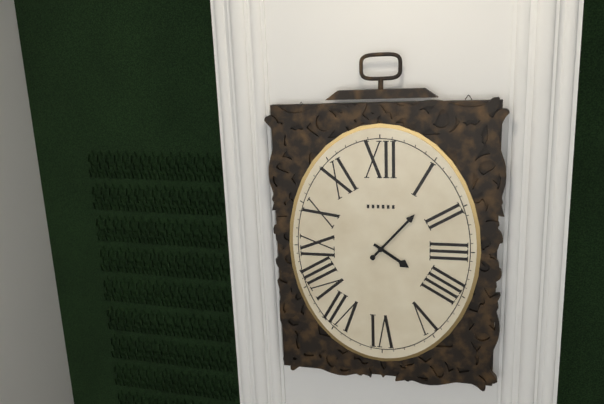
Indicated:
h=4 m=7
